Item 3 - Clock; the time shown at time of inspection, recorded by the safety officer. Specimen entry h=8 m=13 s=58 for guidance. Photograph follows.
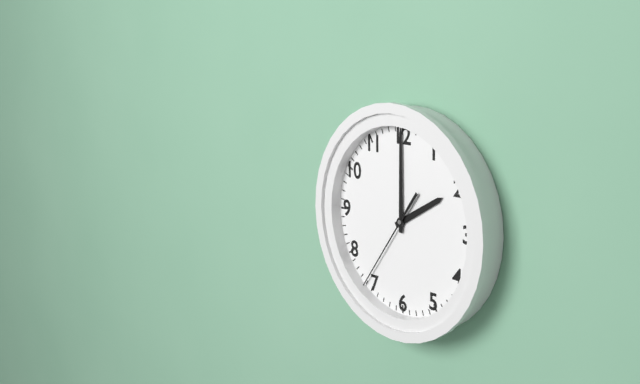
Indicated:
h=2 m=0 s=36
